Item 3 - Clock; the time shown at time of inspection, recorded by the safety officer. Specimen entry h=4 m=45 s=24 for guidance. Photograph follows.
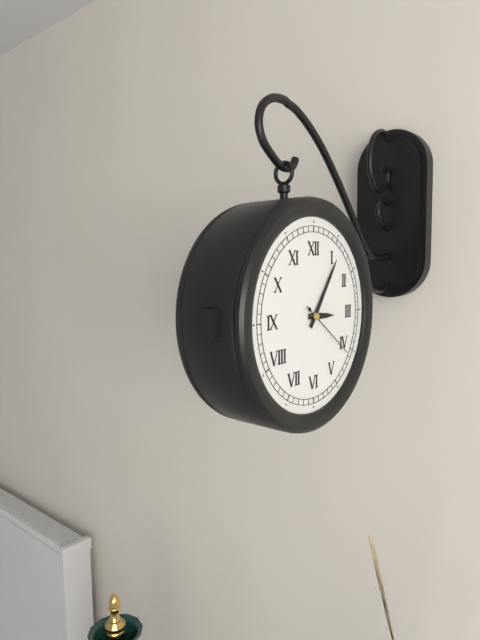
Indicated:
h=3 m=6 s=21
